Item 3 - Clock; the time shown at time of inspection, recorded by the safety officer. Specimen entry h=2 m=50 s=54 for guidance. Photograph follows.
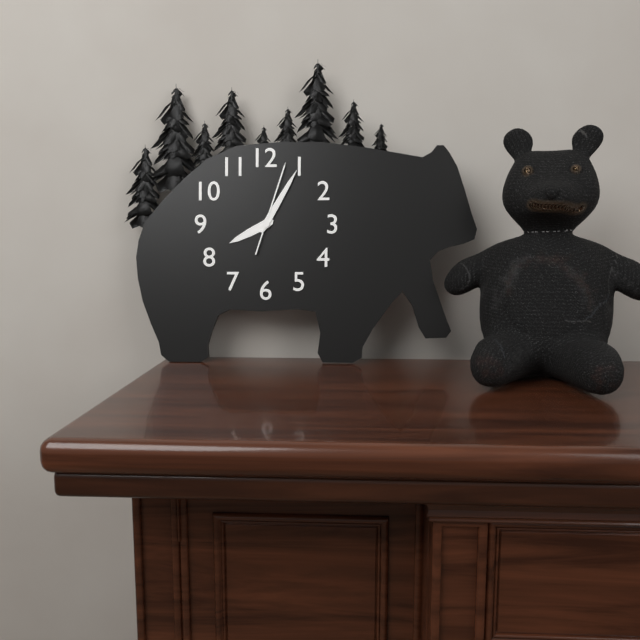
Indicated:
h=8 m=5 s=3
